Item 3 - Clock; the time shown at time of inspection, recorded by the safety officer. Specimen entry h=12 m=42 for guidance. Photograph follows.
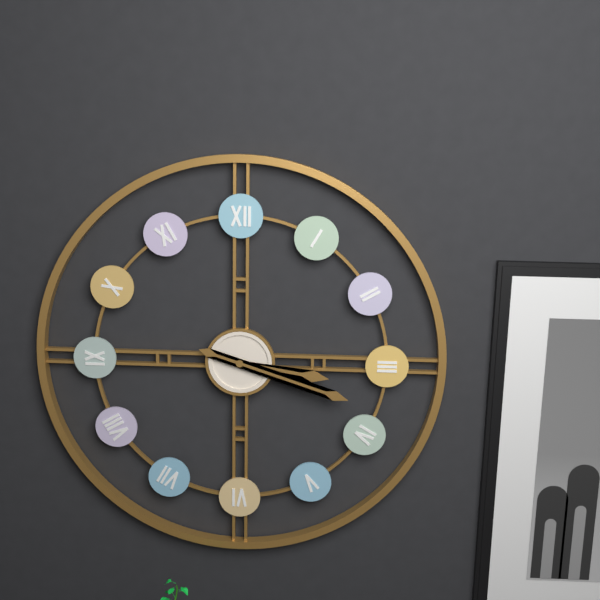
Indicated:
h=3 m=18
